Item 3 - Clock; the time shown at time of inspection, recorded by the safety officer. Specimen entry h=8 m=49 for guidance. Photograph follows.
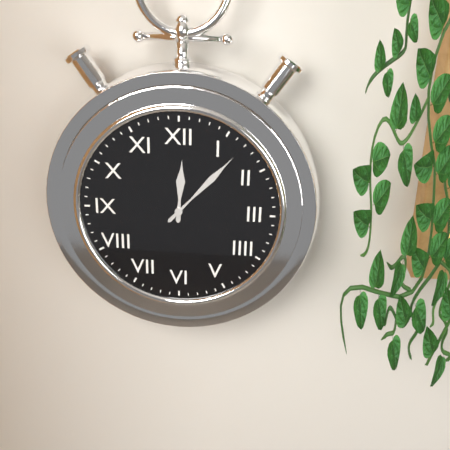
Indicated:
h=12 m=7
